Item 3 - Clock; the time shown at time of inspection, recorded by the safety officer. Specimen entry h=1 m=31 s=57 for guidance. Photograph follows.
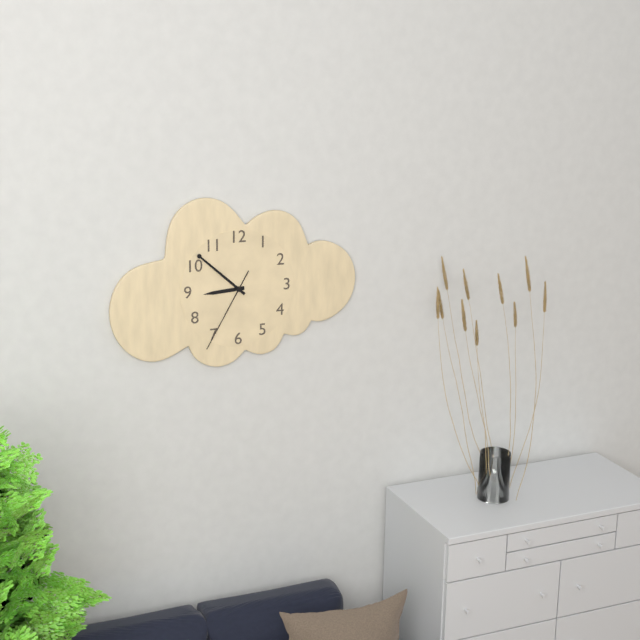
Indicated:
h=8 m=52 s=35
